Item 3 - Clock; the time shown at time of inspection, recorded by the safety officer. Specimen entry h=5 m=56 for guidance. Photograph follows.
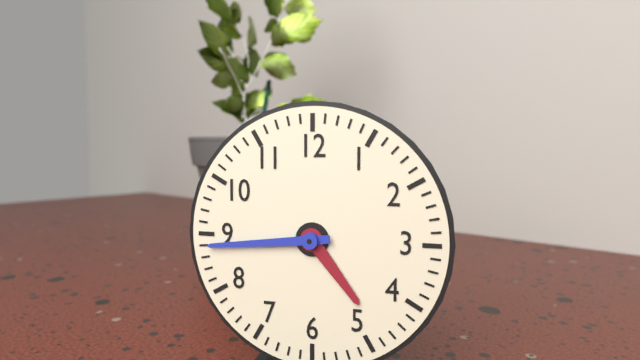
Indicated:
h=4 m=44
